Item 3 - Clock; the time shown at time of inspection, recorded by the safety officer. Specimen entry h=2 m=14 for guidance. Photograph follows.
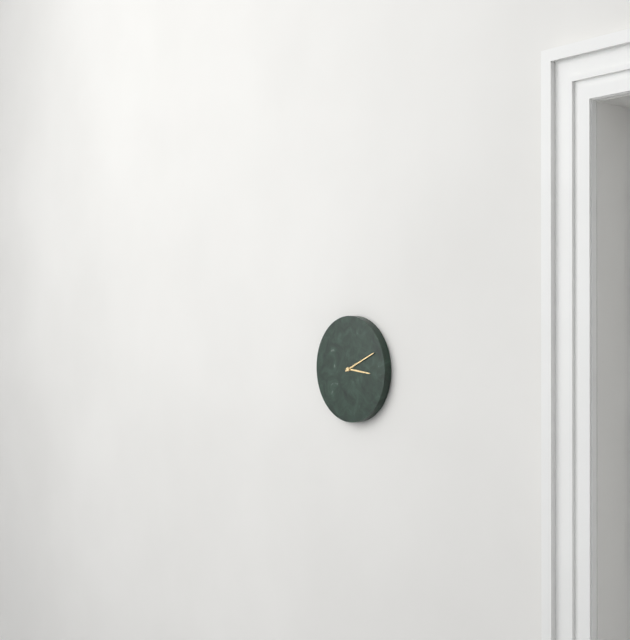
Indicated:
h=3 m=11
